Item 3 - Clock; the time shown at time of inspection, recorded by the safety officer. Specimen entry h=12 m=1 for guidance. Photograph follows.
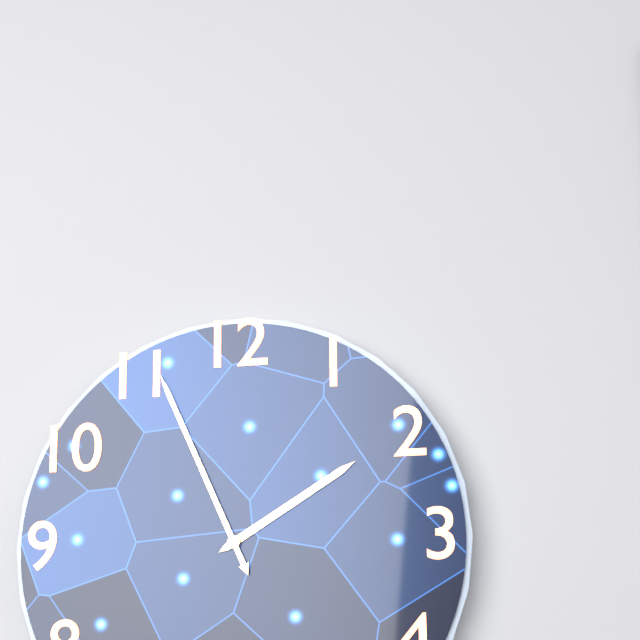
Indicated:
h=1 m=56
